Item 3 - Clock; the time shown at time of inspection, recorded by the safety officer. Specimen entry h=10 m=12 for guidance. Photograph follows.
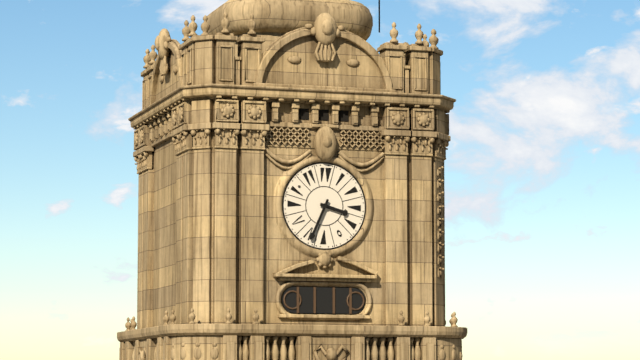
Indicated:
h=3 m=34
